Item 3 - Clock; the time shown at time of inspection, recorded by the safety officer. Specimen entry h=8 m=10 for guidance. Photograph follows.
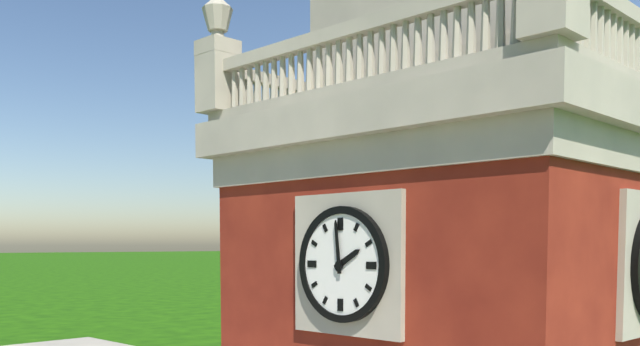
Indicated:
h=1 m=59
